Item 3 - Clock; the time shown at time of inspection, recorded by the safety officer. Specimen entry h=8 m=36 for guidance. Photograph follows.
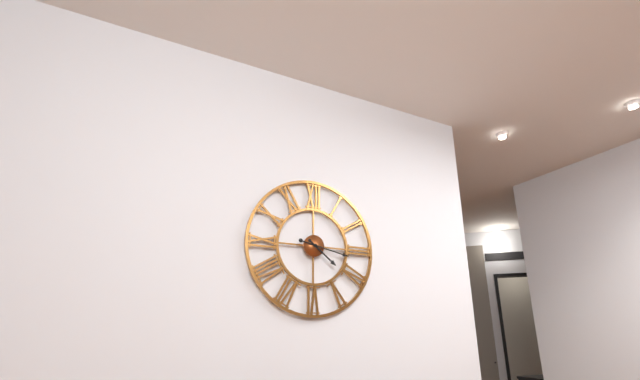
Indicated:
h=4 m=17
